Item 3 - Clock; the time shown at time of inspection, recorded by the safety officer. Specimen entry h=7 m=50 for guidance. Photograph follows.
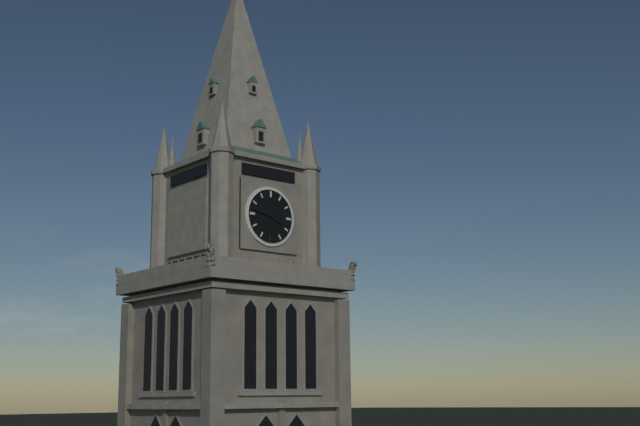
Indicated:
h=3 m=47
